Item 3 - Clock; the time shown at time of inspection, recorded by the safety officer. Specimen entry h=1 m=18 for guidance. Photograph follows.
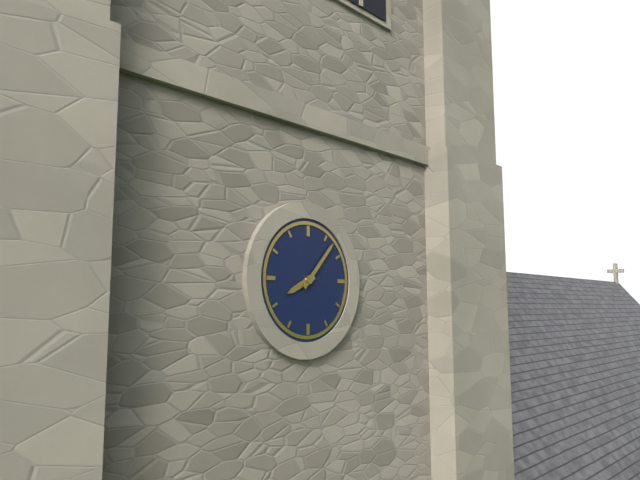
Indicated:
h=8 m=7
